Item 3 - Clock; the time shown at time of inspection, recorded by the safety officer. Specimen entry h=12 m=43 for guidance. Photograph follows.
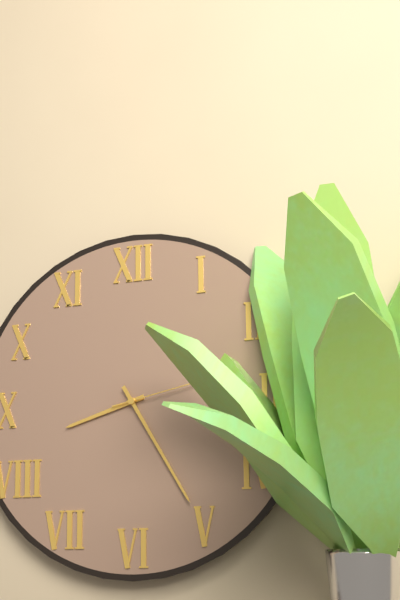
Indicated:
h=8 m=25
